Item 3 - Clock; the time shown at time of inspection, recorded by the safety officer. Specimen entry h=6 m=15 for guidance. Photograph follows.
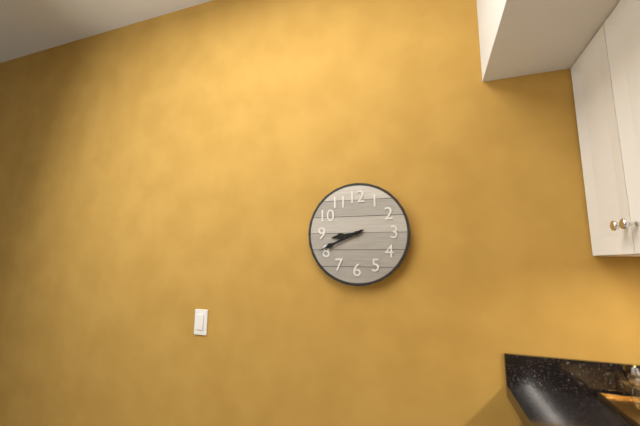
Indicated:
h=8 m=41
